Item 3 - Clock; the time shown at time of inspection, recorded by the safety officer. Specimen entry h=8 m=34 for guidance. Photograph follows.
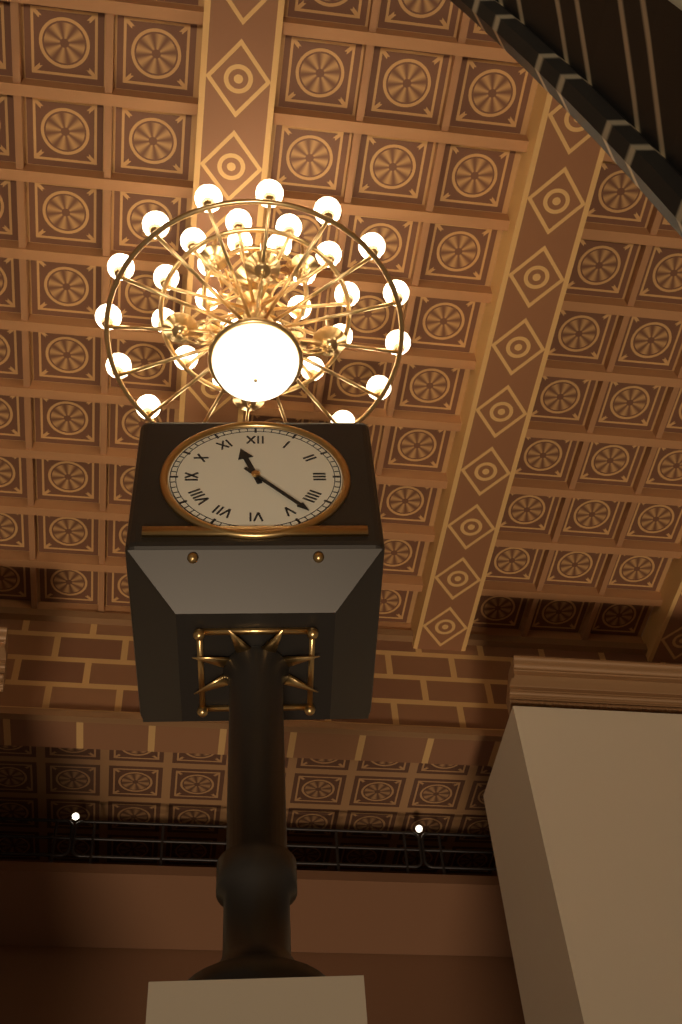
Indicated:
h=11 m=23
